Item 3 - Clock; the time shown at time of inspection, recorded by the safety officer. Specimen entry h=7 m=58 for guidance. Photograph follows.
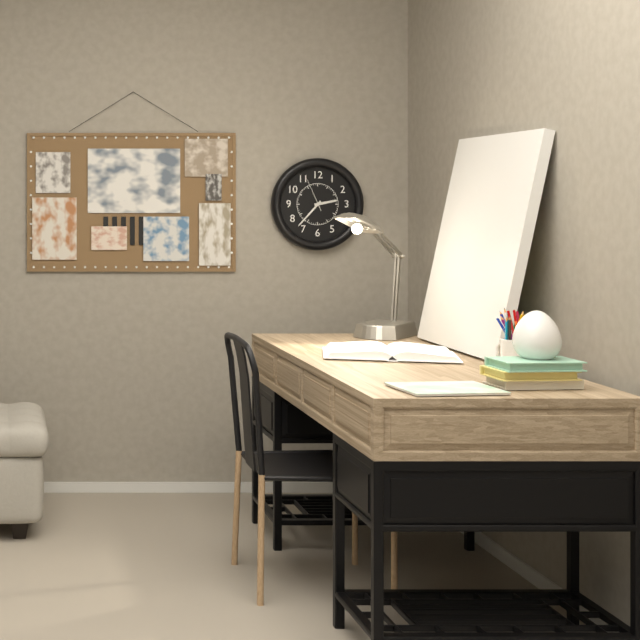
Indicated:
h=2 m=37
